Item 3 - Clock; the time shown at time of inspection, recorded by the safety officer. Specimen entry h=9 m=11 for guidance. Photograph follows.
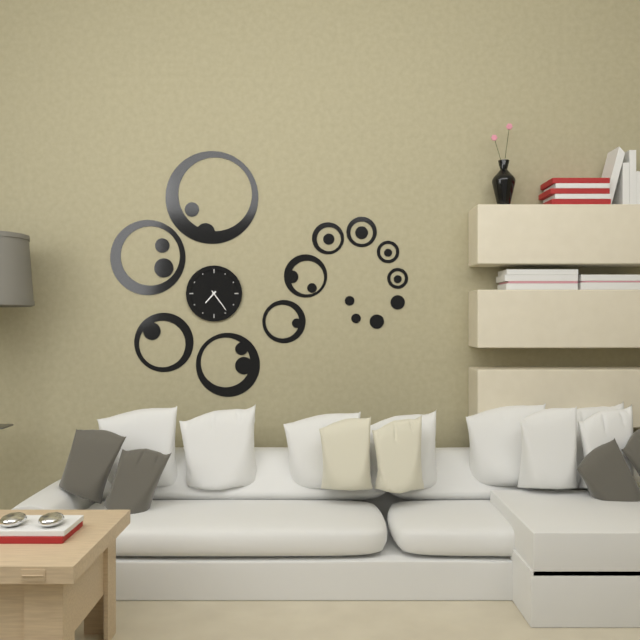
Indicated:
h=7 m=24
